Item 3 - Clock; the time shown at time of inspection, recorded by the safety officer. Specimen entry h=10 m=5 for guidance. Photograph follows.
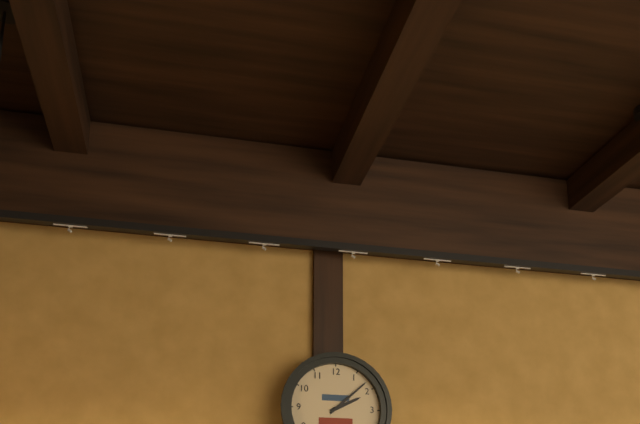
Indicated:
h=2 m=8
